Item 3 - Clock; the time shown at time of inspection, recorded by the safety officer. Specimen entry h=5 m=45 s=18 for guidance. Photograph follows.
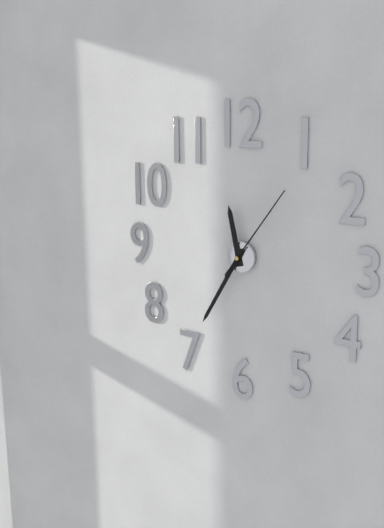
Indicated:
h=11 m=35 s=6
